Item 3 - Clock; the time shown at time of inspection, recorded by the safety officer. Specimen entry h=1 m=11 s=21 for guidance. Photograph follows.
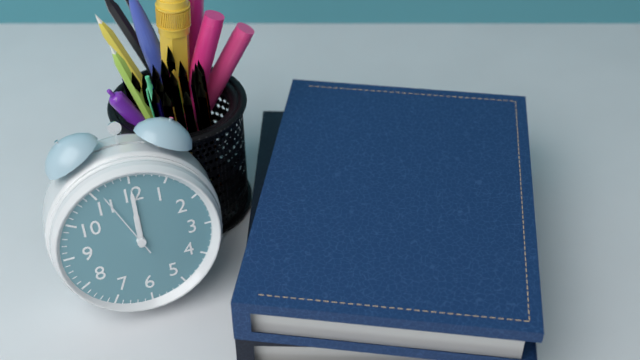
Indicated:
h=12 m=0 s=56
